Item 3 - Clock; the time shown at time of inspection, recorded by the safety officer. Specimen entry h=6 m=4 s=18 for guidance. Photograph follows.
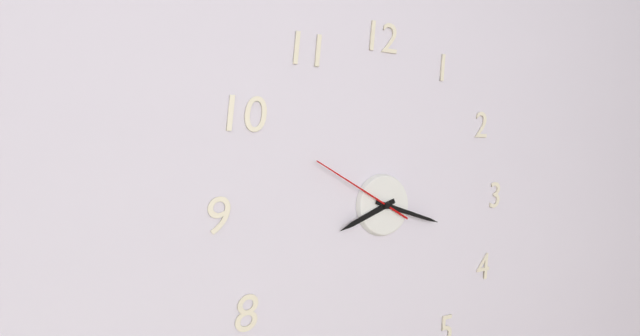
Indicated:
h=8 m=18 s=50
